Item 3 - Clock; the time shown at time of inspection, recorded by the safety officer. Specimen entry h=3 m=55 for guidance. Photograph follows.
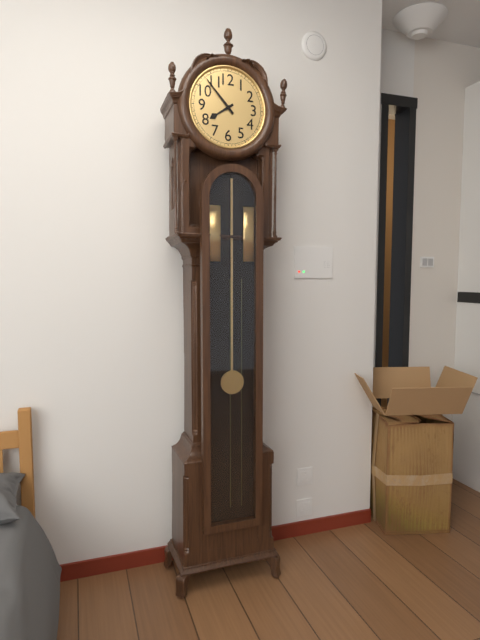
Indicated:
h=7 m=53
